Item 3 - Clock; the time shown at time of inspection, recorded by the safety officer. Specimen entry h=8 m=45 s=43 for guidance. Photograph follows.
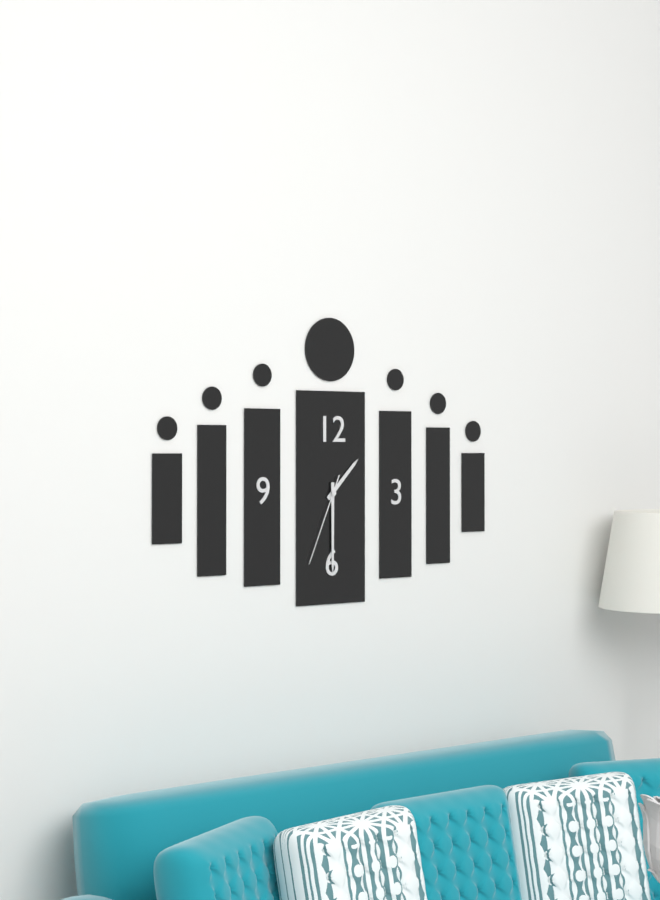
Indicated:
h=1 m=30 s=34
